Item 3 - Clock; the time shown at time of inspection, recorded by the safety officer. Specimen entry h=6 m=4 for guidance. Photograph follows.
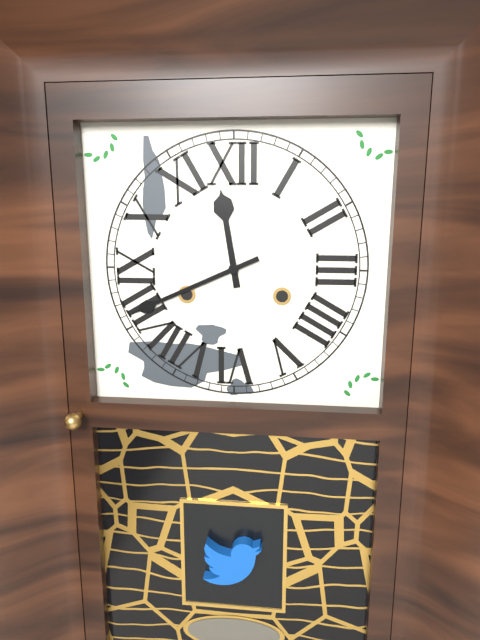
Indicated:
h=11 m=41
